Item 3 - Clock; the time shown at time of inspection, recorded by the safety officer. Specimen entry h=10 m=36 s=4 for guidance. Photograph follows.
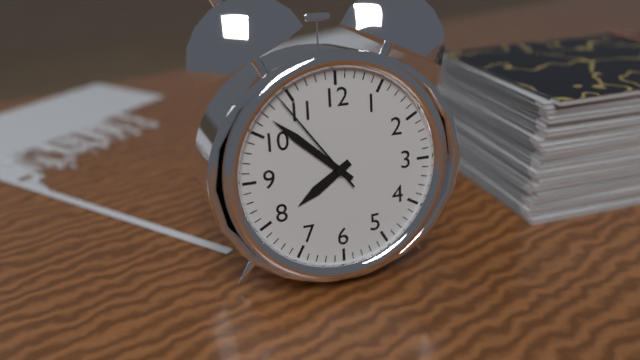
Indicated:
h=7 m=52 s=54
